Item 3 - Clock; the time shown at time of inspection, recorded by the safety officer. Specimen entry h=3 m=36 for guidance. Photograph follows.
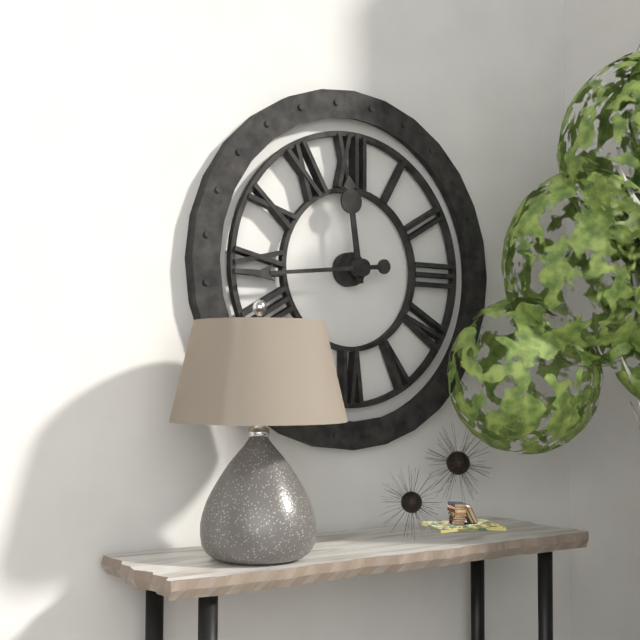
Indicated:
h=11 m=44
